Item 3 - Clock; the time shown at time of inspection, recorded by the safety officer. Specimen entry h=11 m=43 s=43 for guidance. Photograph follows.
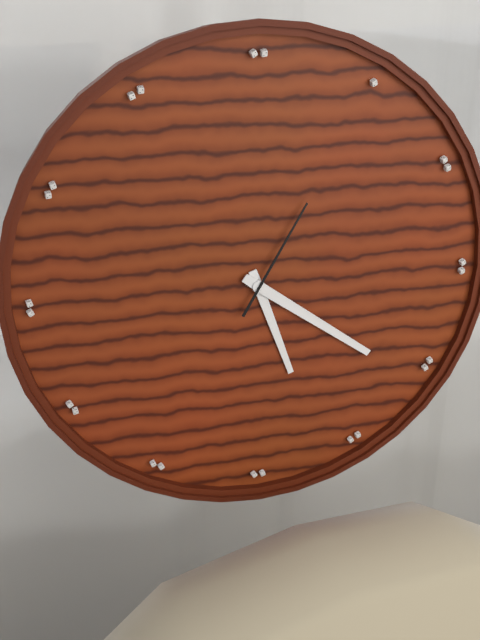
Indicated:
h=5 m=21 s=5
